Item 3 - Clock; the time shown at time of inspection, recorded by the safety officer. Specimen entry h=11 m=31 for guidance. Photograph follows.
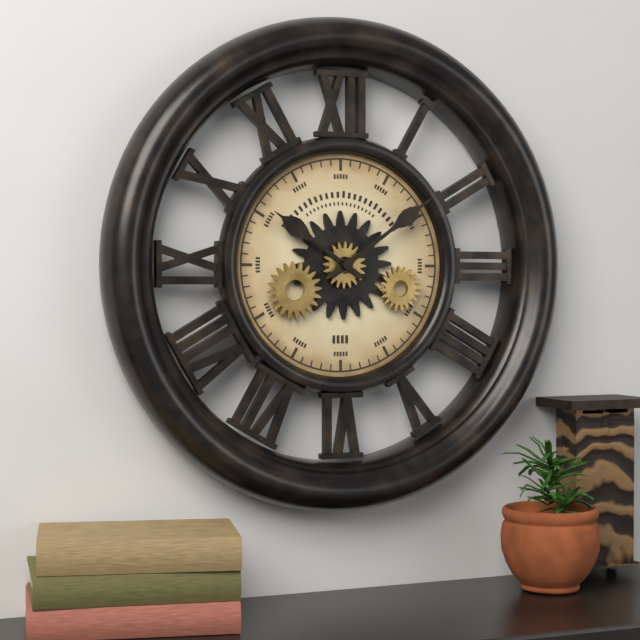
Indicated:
h=10 m=9
